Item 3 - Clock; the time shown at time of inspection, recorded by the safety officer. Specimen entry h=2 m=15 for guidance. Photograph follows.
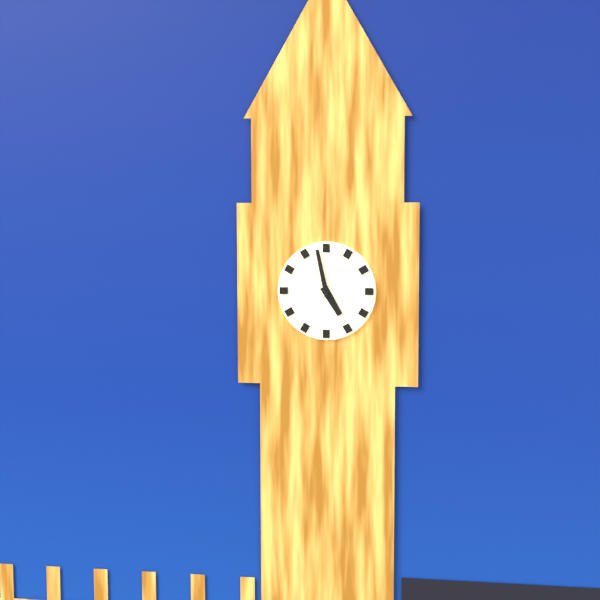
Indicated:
h=4 m=58
